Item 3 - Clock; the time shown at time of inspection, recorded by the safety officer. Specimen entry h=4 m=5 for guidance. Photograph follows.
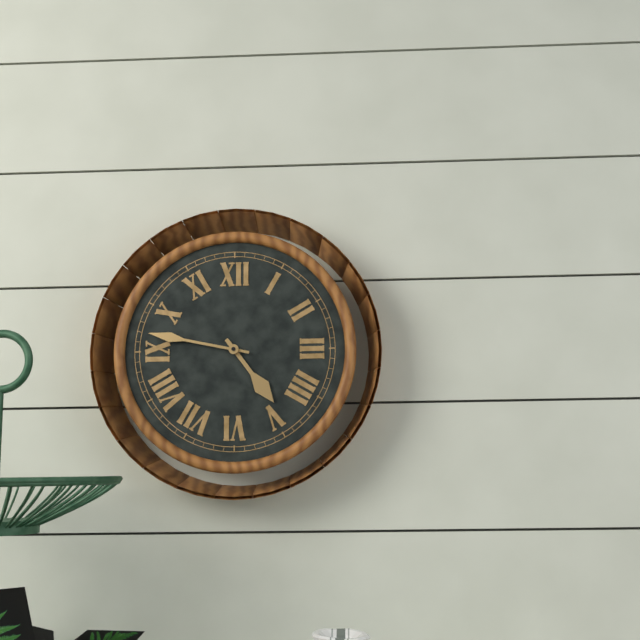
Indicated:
h=4 m=47
